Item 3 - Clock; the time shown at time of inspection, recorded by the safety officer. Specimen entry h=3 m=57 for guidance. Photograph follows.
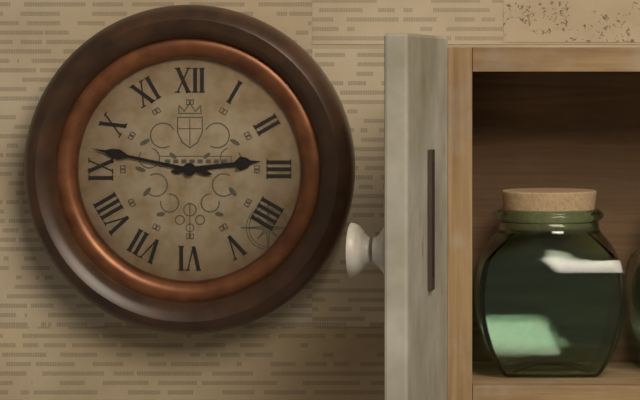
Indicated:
h=2 m=47
